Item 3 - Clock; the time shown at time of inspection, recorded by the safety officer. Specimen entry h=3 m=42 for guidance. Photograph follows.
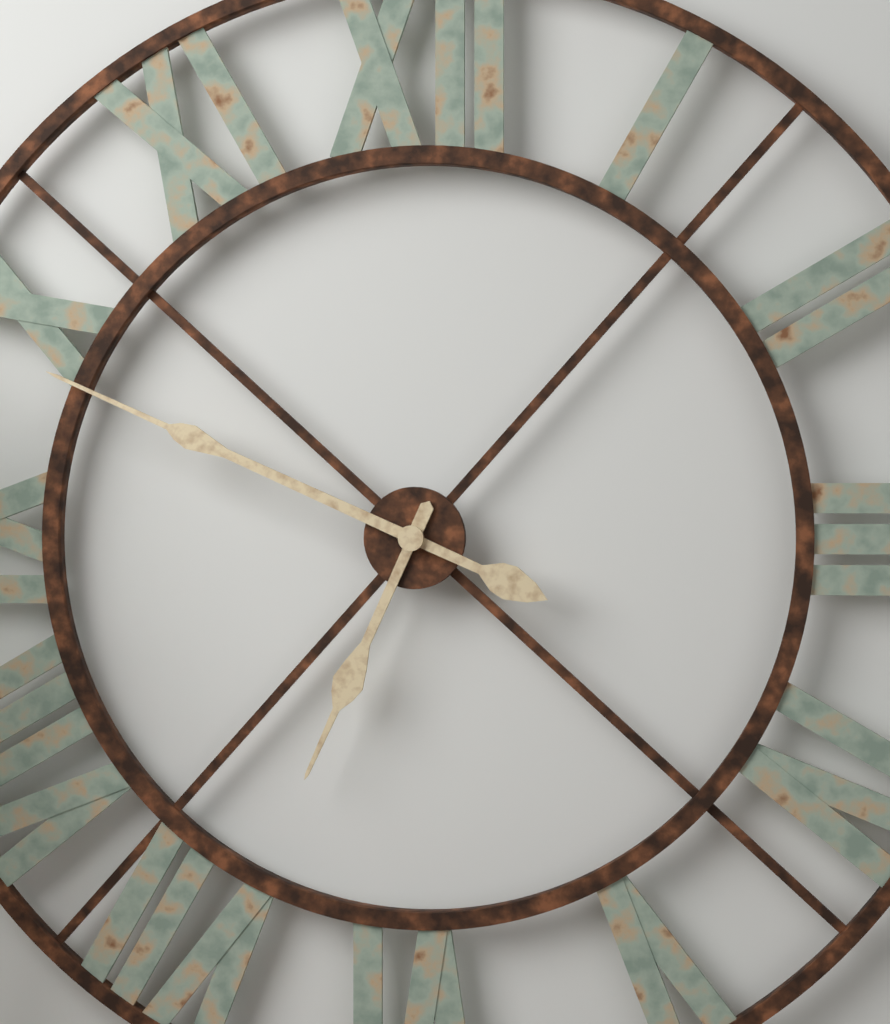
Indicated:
h=6 m=49
